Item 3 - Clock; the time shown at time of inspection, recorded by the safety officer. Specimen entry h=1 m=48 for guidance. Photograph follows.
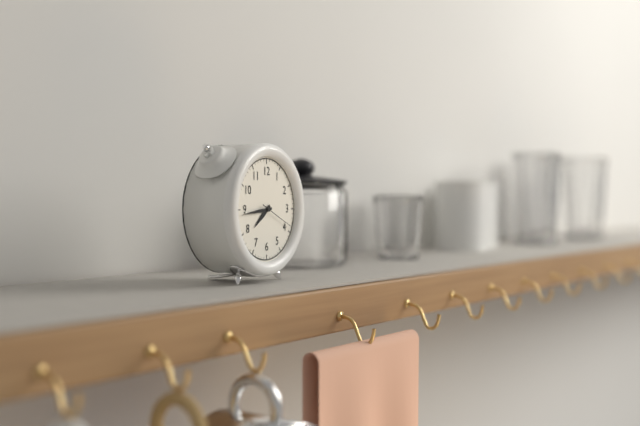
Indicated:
h=7 m=44
